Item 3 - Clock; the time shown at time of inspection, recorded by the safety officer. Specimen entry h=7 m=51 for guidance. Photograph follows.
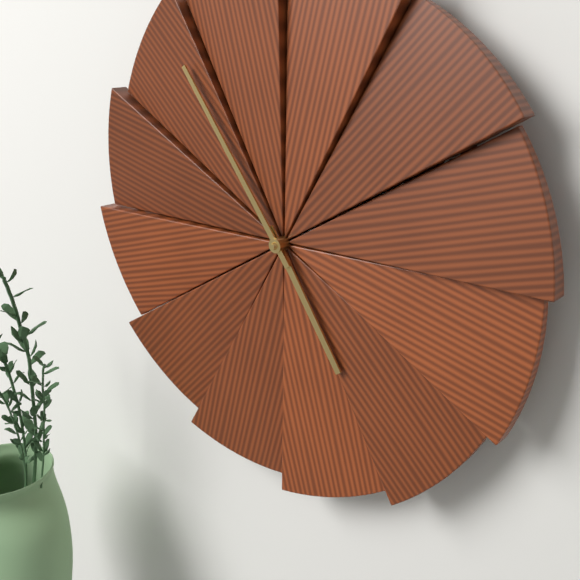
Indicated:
h=4 m=54
